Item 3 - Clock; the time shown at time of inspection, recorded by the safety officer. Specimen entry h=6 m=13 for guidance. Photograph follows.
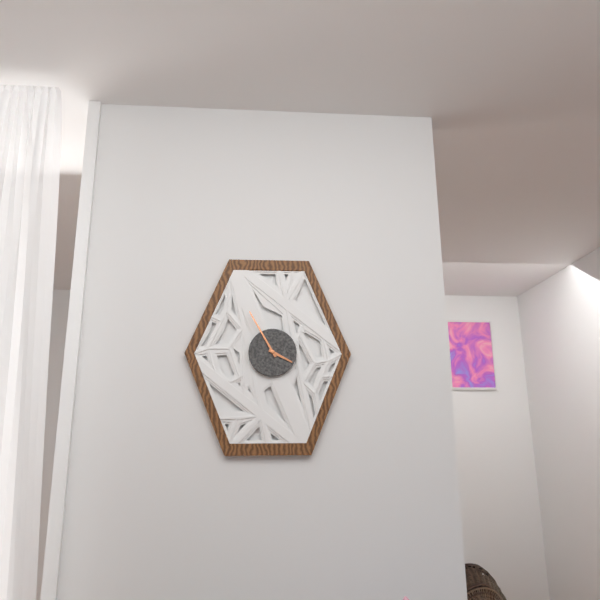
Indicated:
h=3 m=55
